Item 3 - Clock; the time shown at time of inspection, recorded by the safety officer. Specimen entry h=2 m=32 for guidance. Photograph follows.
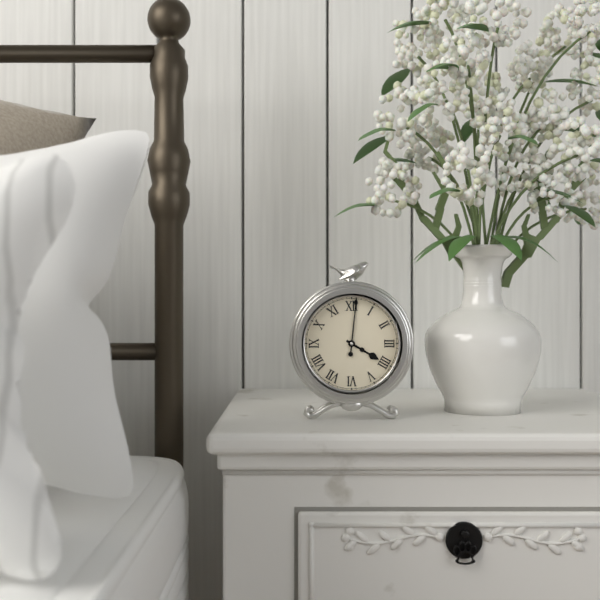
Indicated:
h=4 m=1
